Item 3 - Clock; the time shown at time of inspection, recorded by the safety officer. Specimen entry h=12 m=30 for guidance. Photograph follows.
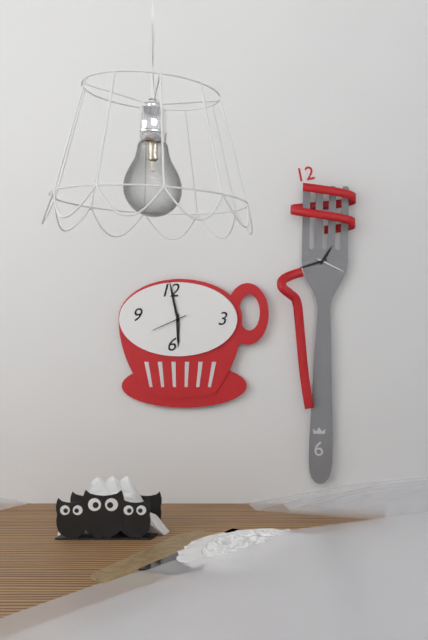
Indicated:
h=5 m=58
